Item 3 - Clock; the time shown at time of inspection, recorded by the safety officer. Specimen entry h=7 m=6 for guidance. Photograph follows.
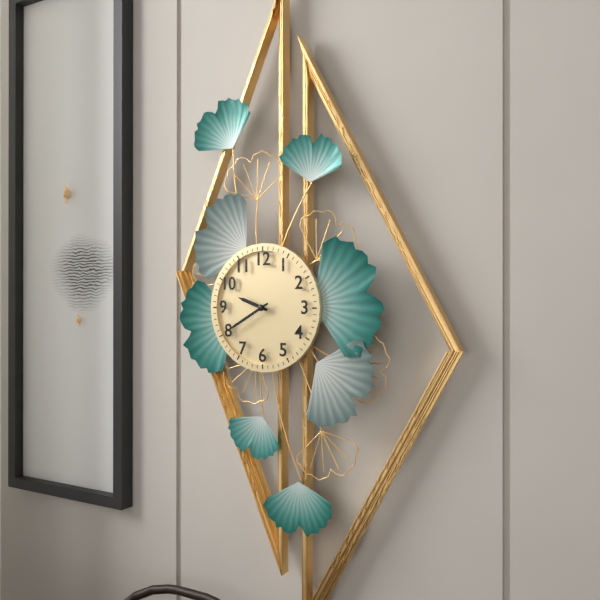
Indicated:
h=9 m=40
